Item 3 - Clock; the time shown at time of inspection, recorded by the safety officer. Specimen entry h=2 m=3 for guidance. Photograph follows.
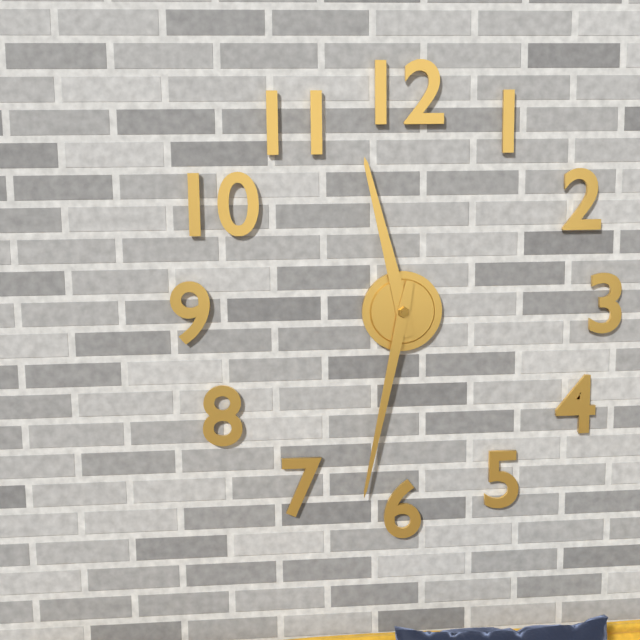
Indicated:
h=11 m=32
